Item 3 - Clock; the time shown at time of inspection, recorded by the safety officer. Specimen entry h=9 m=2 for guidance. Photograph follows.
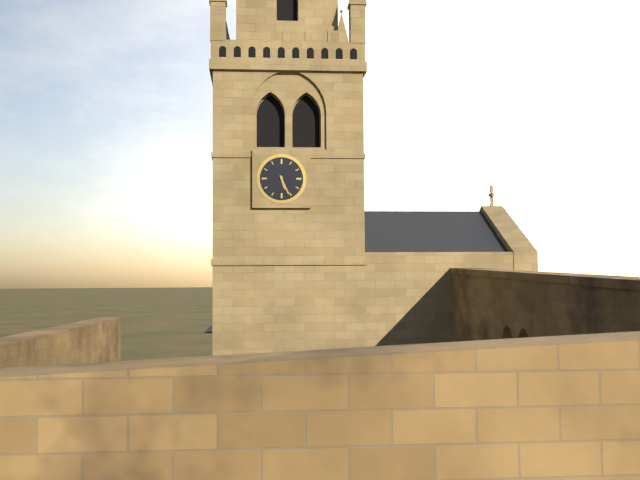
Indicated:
h=5 m=26
